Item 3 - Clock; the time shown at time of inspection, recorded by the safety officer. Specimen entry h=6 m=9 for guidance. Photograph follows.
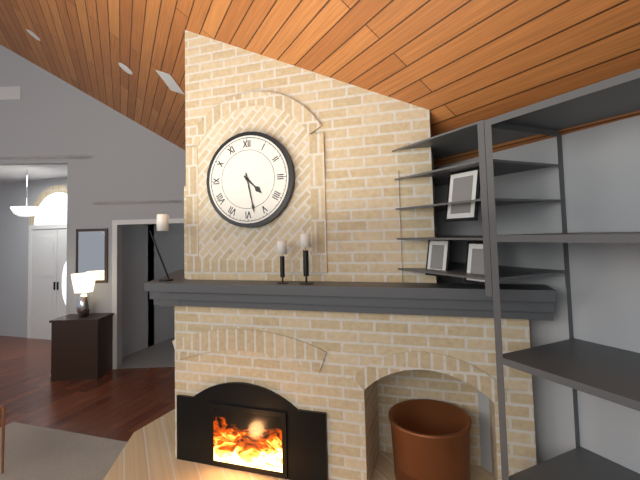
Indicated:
h=4 m=28
